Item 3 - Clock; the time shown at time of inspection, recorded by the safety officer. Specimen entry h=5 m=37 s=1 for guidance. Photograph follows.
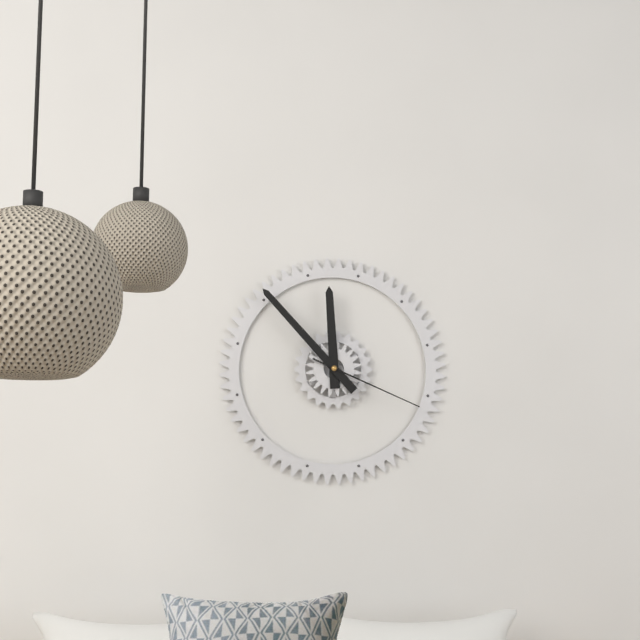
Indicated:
h=11 m=53 s=19
